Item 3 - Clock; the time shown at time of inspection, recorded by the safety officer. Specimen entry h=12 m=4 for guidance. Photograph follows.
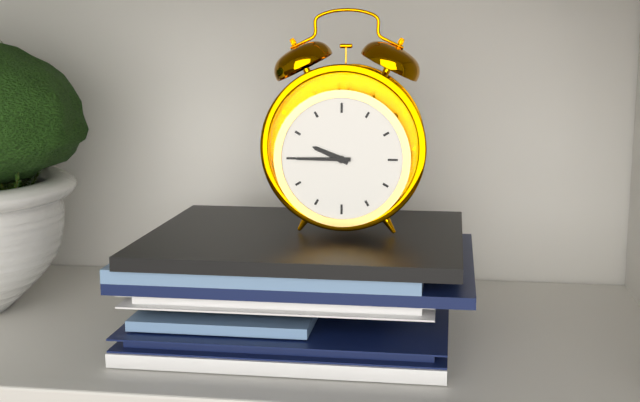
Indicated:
h=9 m=45
